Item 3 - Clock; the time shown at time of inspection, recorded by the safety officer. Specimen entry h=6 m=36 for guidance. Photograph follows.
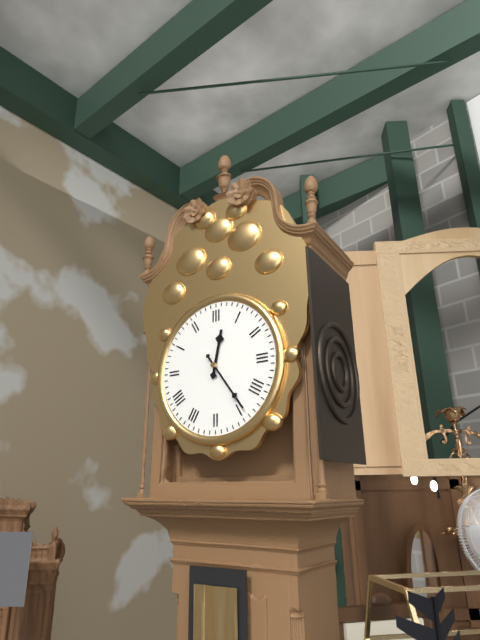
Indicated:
h=12 m=24
